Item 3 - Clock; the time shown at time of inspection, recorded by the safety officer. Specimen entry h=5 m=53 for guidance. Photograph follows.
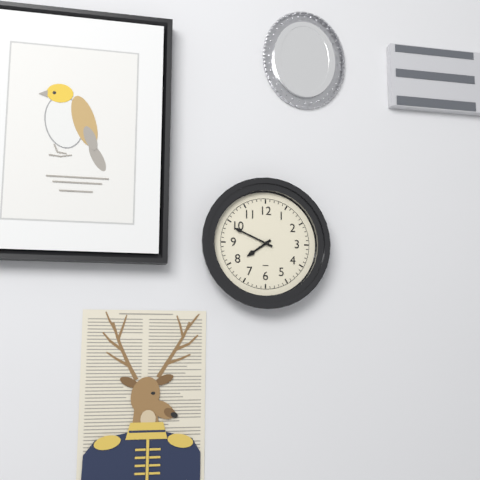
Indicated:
h=7 m=49
